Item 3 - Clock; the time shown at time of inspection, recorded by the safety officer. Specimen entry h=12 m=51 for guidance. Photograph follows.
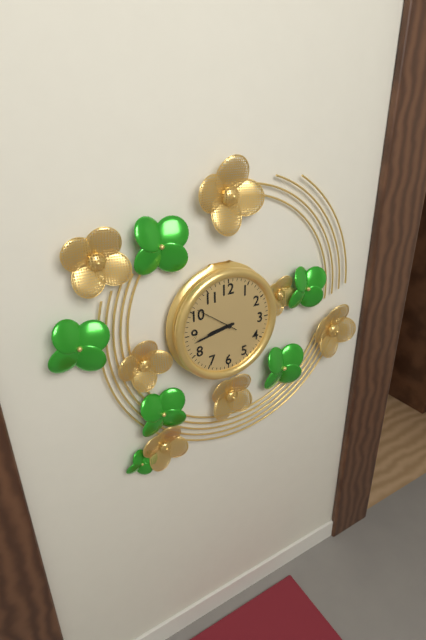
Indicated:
h=8 m=43
